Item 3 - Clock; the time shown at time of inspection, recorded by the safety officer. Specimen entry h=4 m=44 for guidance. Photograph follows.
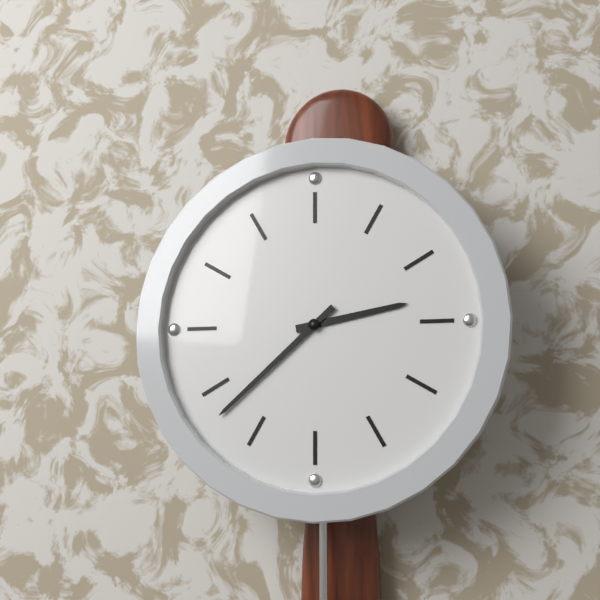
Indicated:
h=2 m=38
